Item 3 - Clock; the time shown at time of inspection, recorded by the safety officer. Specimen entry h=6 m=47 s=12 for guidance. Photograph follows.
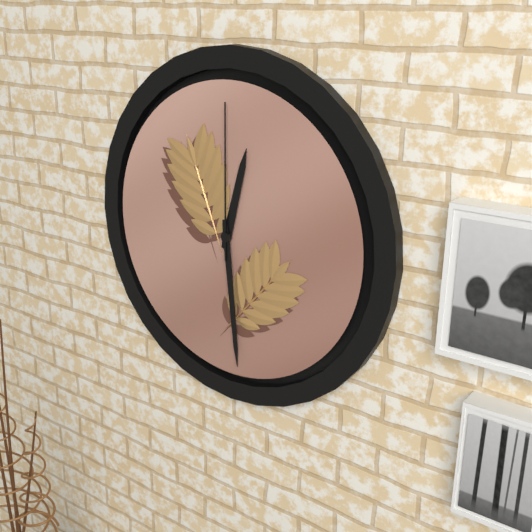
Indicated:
h=12 m=29 s=0
